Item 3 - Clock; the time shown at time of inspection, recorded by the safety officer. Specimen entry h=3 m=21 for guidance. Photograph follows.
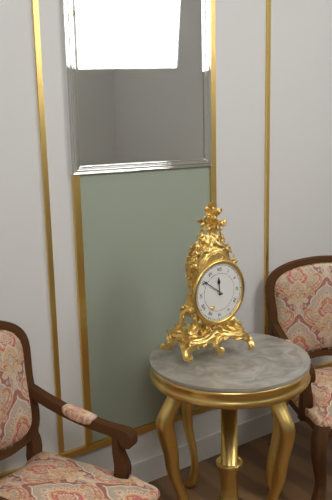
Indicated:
h=11 m=51
